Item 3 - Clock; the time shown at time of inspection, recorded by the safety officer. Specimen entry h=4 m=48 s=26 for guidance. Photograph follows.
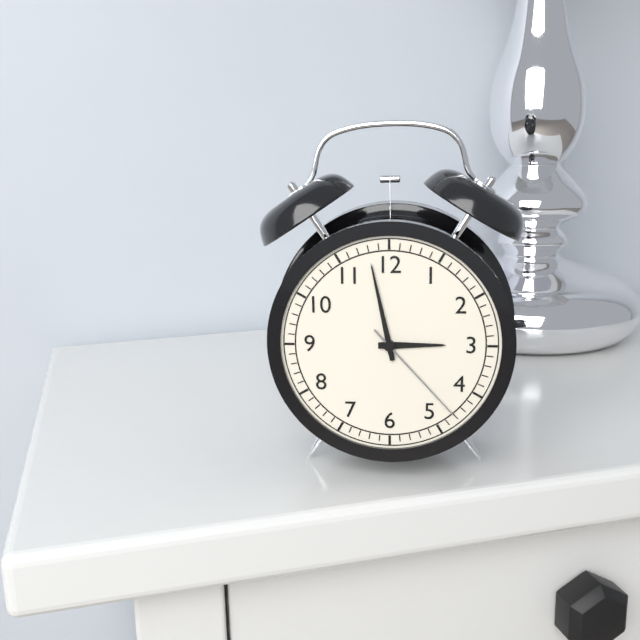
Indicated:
h=2 m=58 s=23
